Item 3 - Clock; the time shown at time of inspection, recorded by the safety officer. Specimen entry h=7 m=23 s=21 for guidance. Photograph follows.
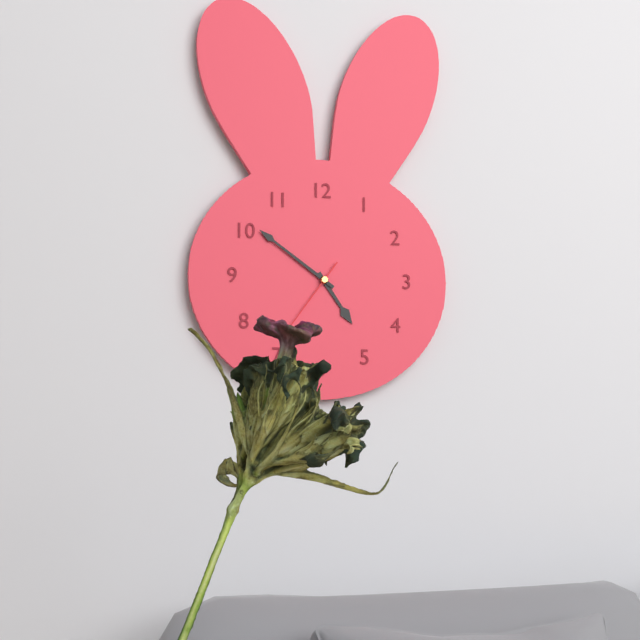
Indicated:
h=4 m=51 s=36
